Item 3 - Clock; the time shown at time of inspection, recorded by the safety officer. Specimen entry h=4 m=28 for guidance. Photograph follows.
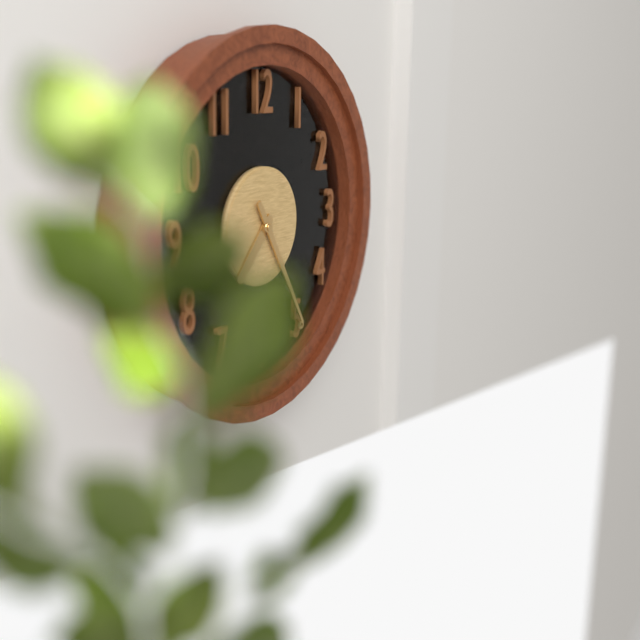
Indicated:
h=7 m=25
